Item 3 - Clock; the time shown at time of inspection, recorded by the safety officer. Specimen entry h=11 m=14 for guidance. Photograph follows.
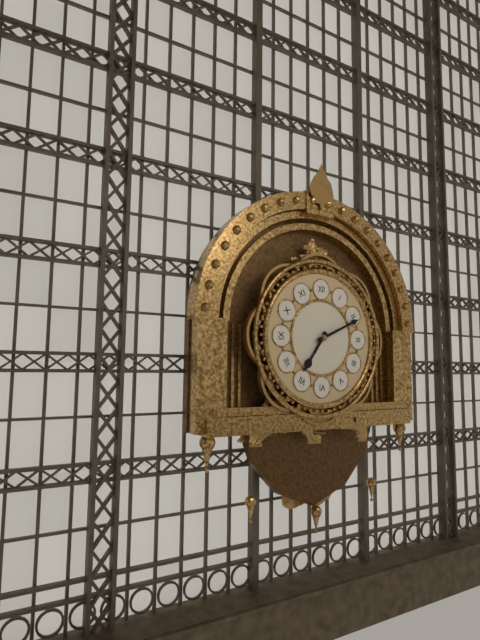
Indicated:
h=7 m=11
